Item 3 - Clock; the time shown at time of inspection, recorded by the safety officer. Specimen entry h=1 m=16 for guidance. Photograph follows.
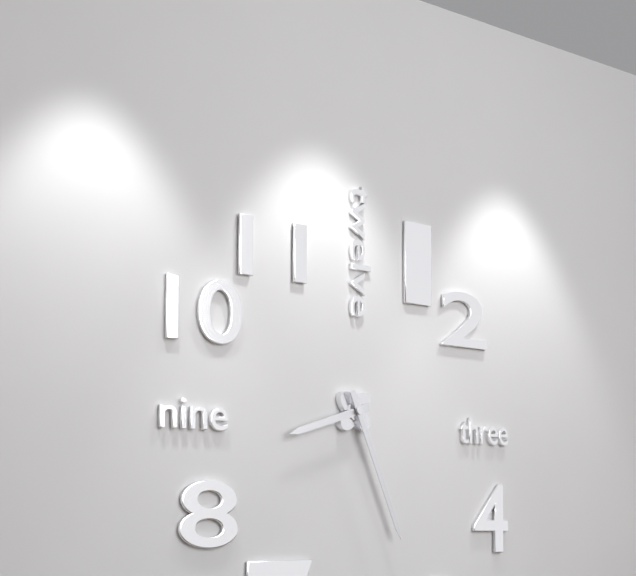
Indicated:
h=8 m=26
